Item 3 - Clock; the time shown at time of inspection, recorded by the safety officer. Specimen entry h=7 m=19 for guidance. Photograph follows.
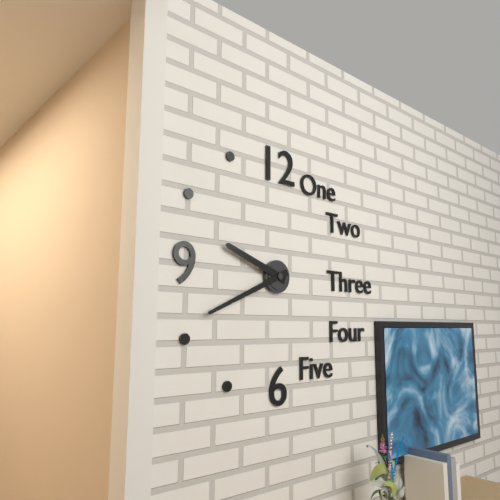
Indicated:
h=9 m=41
